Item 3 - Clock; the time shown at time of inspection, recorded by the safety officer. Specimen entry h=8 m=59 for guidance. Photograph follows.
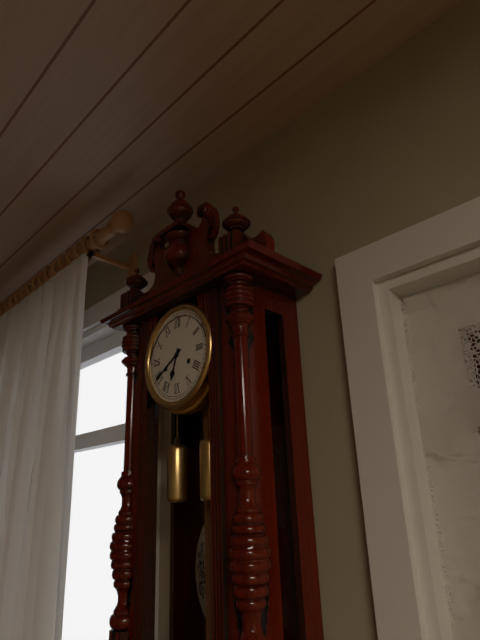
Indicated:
h=6 m=40
